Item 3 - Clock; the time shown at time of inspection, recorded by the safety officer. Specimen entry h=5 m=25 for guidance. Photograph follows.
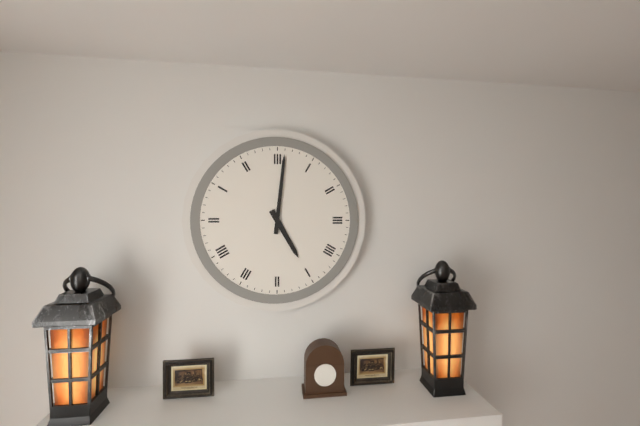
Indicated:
h=5 m=1
